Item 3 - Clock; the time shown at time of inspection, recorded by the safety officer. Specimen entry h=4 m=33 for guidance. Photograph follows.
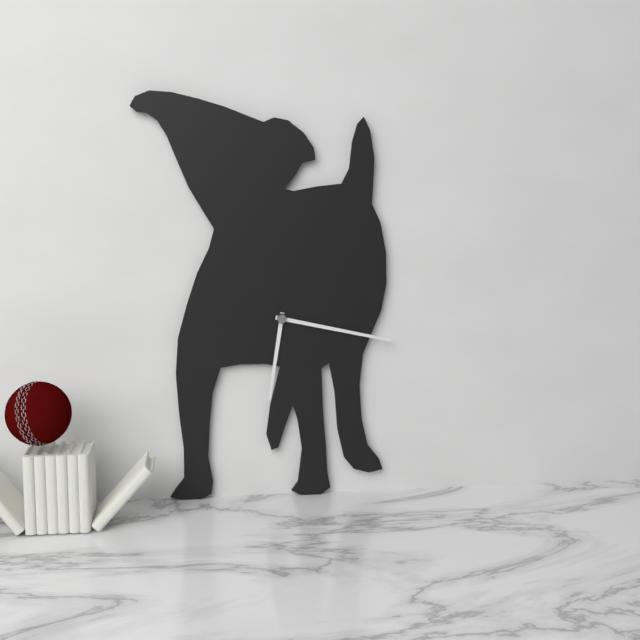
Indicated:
h=6 m=17
